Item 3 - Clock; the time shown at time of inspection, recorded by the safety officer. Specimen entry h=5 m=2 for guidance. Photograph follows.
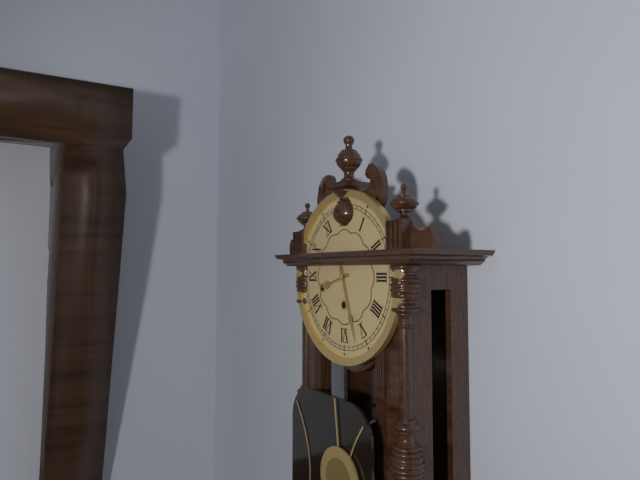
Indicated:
h=8 m=27
